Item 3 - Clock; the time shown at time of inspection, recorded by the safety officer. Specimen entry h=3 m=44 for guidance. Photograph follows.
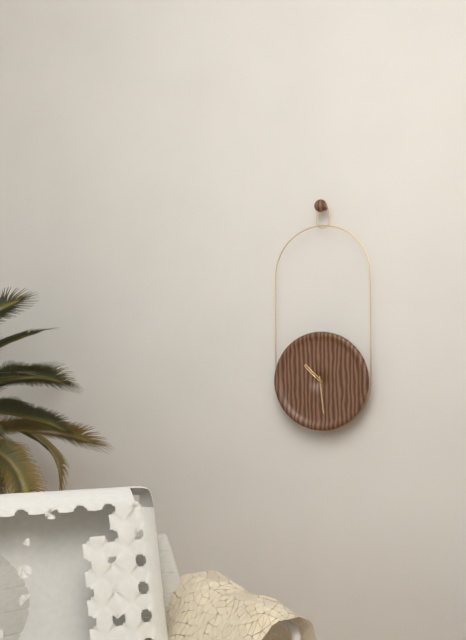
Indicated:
h=10 m=29
